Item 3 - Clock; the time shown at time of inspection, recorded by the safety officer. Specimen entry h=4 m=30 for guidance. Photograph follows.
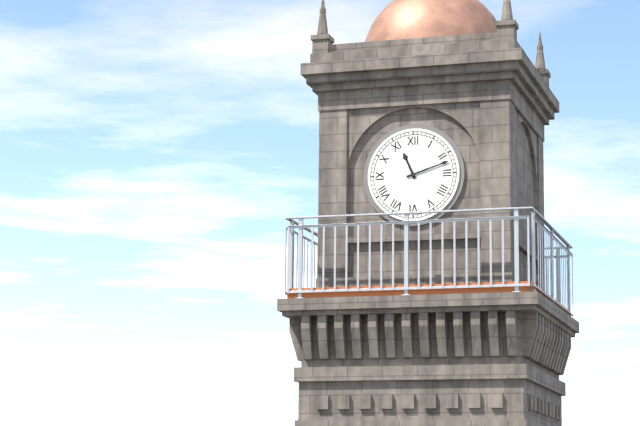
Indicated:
h=11 m=12
